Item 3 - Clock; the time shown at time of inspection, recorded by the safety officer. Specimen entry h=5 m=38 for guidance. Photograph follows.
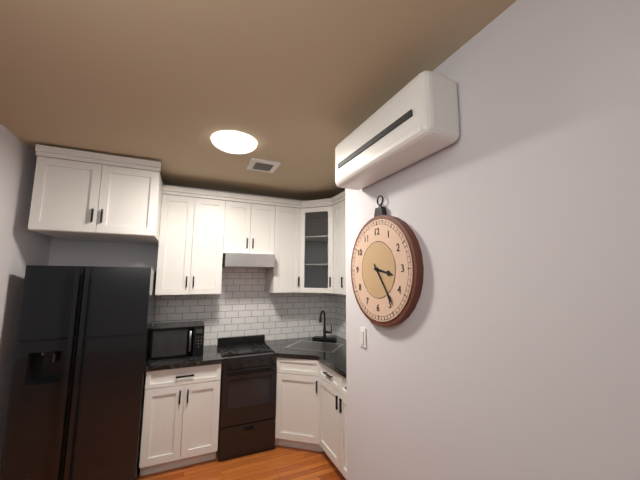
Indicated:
h=3 m=24
